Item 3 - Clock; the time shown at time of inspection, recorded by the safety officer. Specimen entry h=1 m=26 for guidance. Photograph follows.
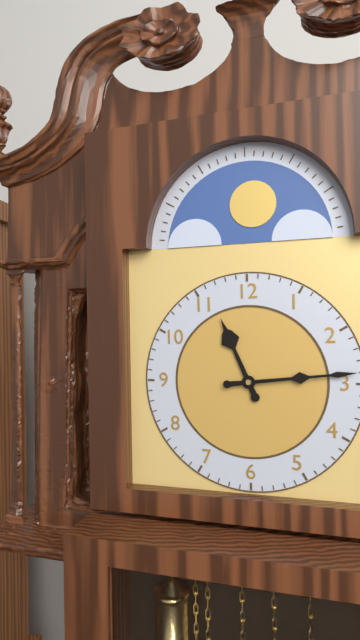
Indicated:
h=11 m=14
